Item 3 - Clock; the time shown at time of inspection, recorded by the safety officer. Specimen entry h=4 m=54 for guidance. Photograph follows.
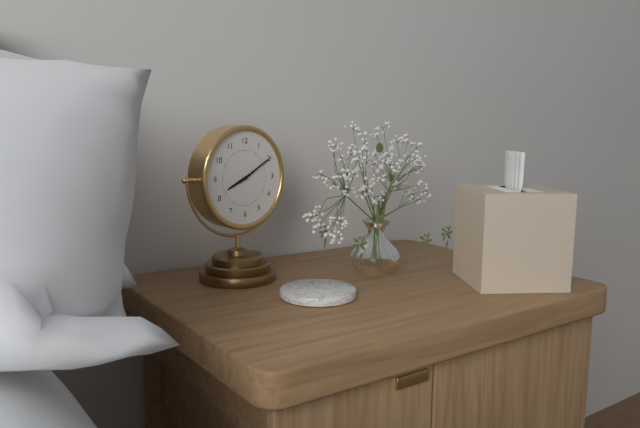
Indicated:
h=8 m=10
